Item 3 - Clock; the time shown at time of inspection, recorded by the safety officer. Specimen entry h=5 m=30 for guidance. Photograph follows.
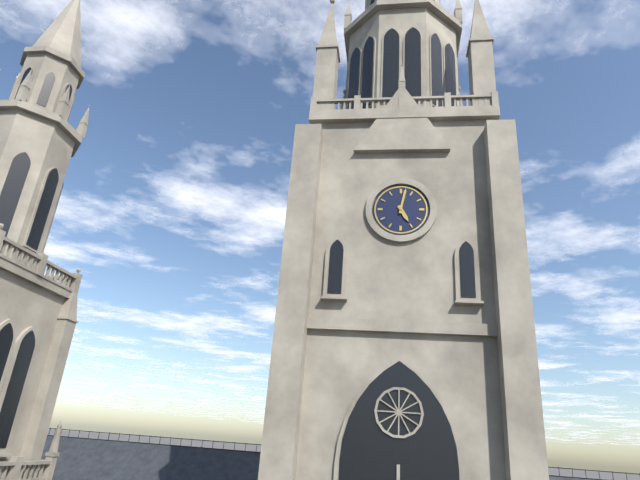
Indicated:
h=5 m=2
